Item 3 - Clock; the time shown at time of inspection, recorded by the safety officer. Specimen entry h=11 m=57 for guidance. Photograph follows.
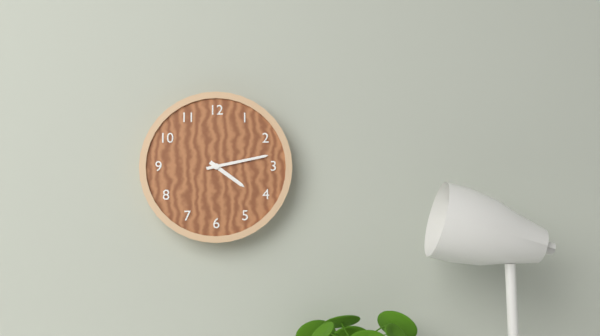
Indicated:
h=4 m=13
